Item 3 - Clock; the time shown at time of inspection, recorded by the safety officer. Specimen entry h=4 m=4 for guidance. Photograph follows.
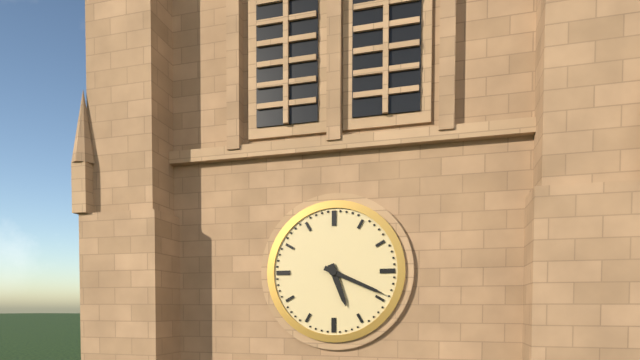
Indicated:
h=5 m=19
